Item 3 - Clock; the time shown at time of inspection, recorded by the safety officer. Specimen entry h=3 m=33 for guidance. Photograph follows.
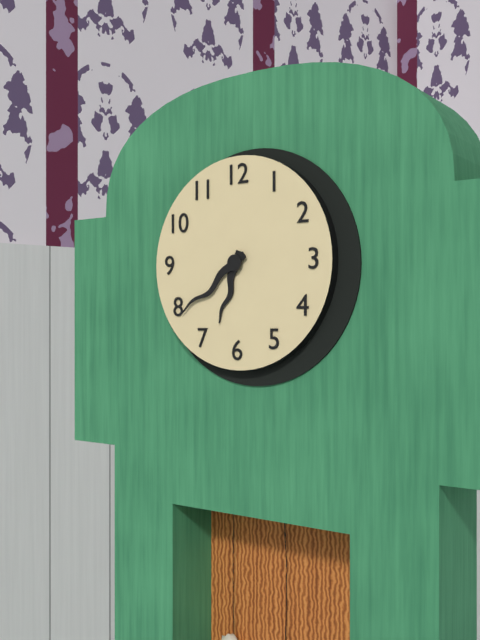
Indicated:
h=6 m=39
